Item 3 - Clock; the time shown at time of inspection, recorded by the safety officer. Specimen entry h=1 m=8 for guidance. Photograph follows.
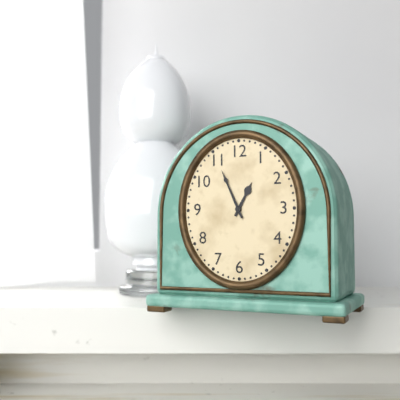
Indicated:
h=12 m=56
